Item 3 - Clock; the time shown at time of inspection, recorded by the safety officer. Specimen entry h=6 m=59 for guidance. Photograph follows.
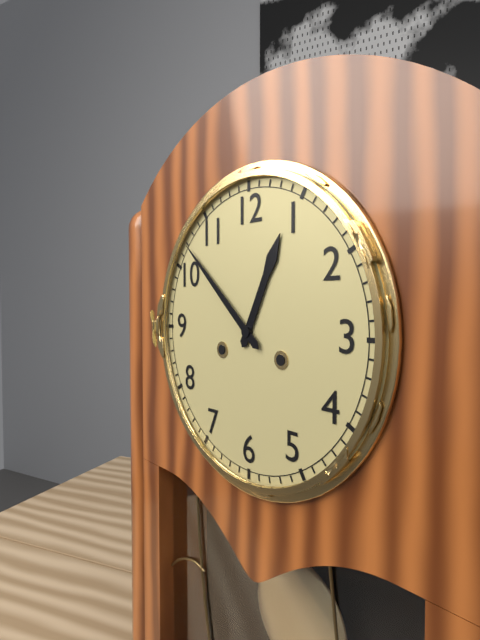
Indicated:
h=12 m=52
